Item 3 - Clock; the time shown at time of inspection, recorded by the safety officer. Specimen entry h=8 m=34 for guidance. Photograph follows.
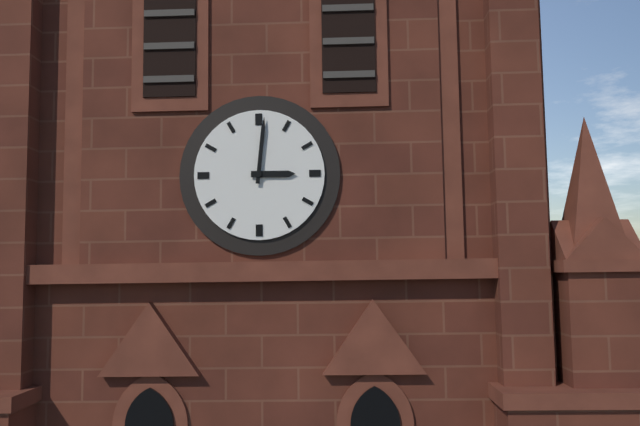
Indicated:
h=3 m=1
